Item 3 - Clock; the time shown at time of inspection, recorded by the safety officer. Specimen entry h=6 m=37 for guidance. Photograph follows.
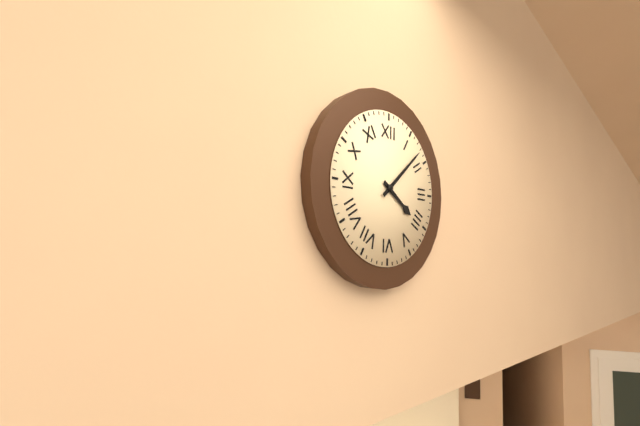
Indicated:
h=4 m=8
